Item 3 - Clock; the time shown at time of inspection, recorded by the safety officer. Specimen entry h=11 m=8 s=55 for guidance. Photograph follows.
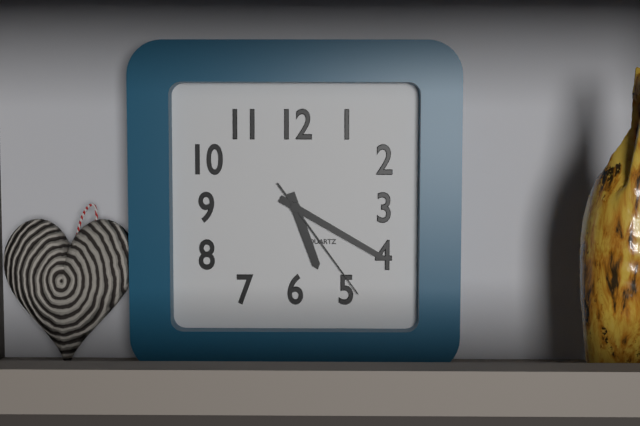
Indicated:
h=5 m=20 s=24
